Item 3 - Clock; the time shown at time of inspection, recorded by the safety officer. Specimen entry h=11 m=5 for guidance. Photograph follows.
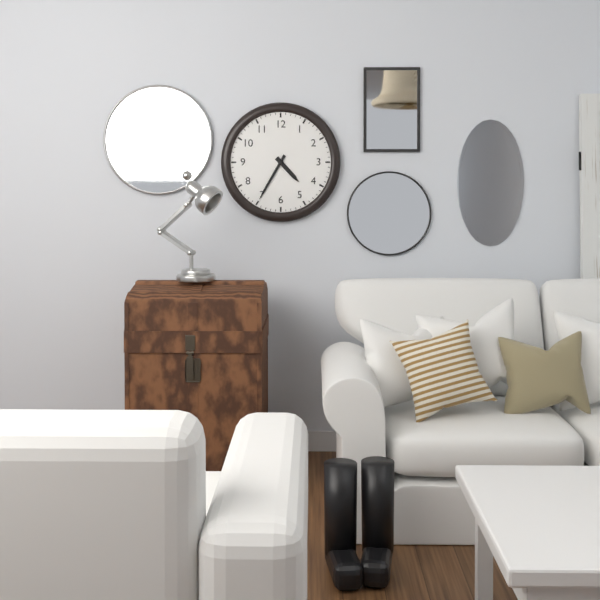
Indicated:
h=4 m=35
